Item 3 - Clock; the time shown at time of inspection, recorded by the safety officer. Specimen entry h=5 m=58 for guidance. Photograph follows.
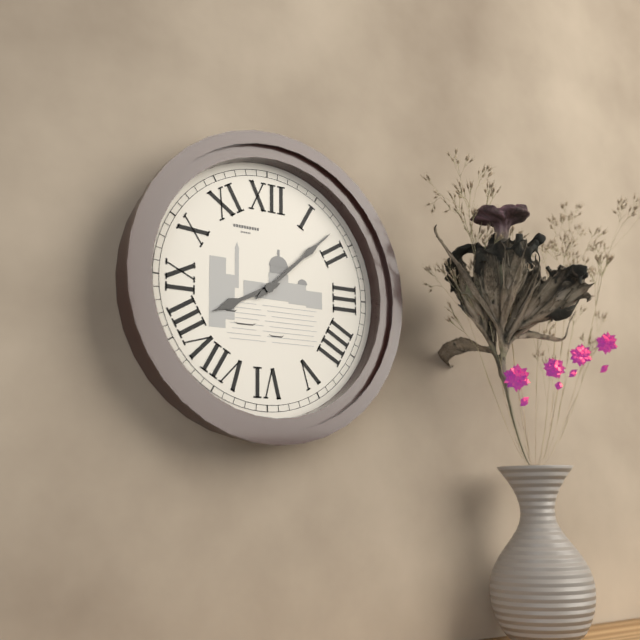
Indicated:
h=8 m=8
